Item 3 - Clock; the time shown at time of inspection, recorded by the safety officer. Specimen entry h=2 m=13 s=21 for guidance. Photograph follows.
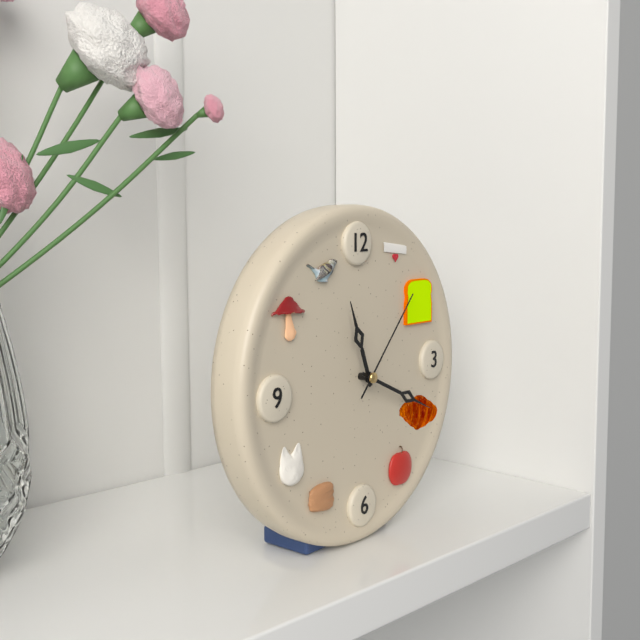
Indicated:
h=11 m=19 s=7
